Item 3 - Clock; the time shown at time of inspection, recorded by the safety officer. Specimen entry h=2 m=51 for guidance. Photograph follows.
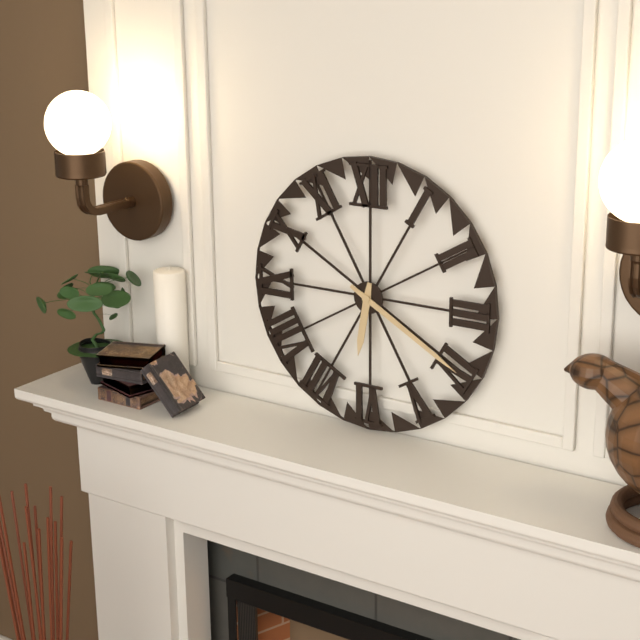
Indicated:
h=6 m=20
